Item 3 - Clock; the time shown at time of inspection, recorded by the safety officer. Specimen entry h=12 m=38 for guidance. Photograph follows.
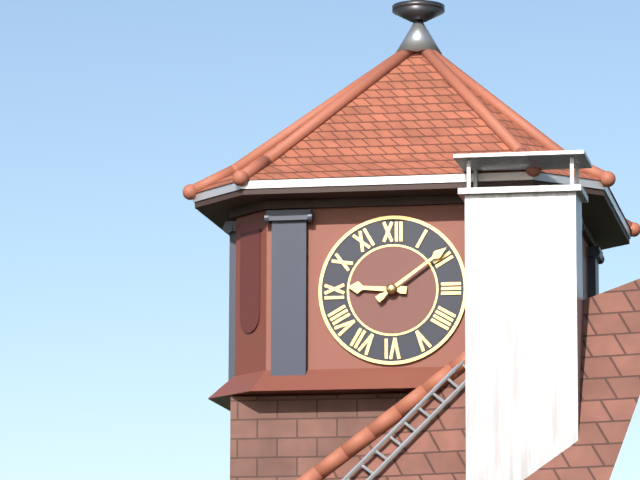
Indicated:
h=9 m=9
